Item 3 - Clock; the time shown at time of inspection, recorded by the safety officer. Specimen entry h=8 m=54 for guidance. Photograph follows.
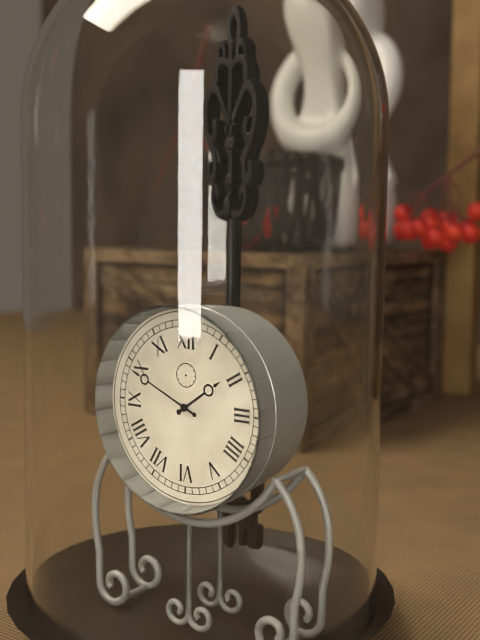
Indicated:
h=1 m=49
